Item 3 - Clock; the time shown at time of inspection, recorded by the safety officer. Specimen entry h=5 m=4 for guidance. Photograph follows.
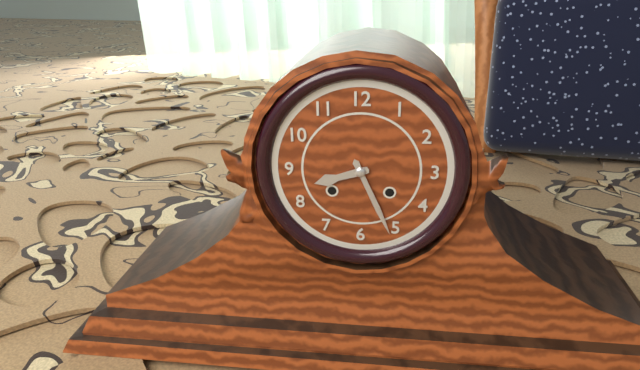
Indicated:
h=8 m=26
